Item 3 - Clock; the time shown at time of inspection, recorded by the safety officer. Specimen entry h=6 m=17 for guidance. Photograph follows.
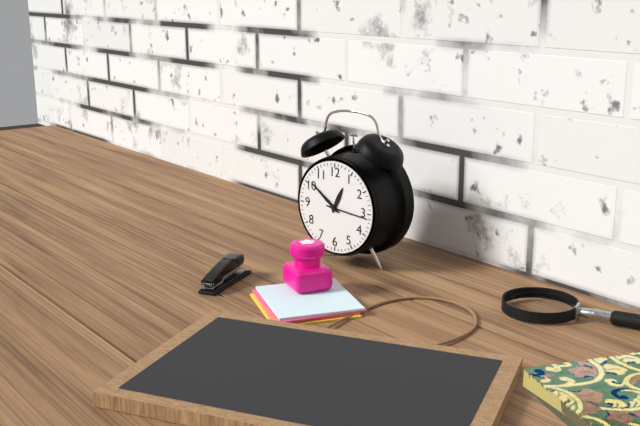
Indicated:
h=12 m=51
